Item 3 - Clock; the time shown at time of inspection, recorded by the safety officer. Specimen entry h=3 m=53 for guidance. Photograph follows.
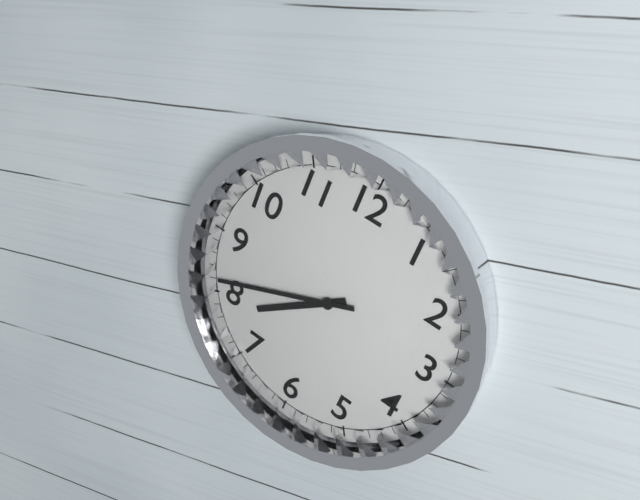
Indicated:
h=7 m=41
